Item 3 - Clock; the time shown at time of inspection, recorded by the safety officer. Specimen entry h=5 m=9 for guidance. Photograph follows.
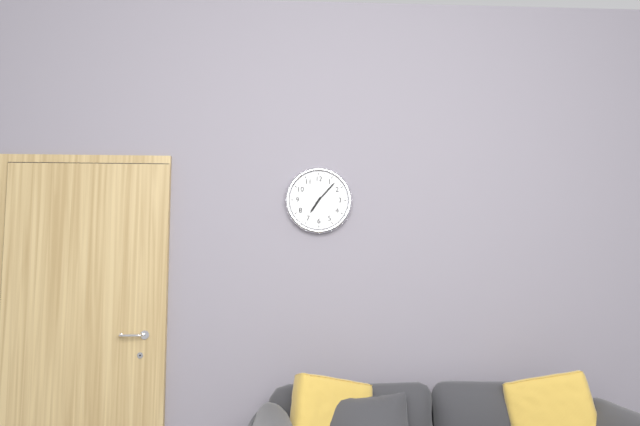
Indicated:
h=7 m=7
